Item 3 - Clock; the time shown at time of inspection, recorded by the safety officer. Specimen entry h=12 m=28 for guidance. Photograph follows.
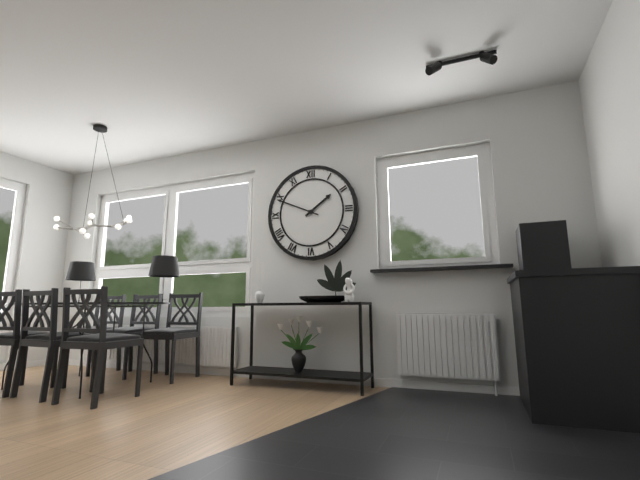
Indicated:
h=1 m=49
